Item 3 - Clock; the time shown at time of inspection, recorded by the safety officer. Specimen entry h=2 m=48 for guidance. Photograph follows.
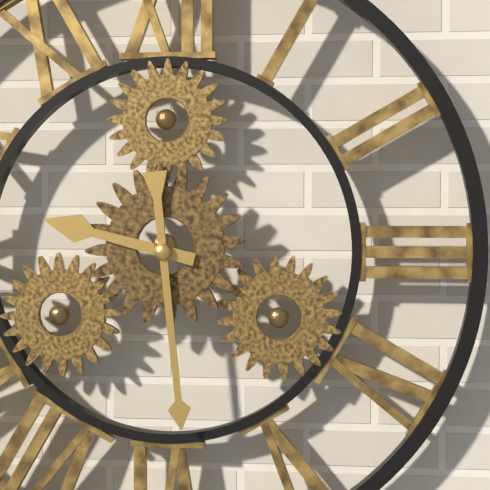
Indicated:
h=9 m=29
